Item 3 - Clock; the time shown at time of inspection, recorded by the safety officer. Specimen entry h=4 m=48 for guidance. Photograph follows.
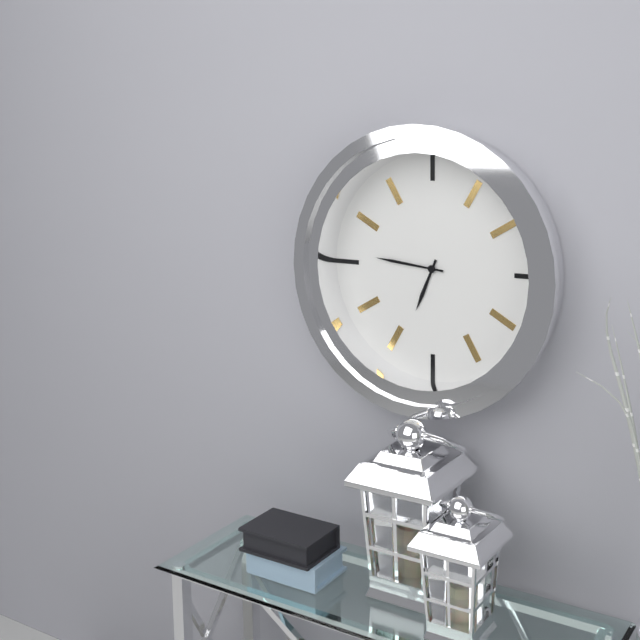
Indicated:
h=6 m=46
